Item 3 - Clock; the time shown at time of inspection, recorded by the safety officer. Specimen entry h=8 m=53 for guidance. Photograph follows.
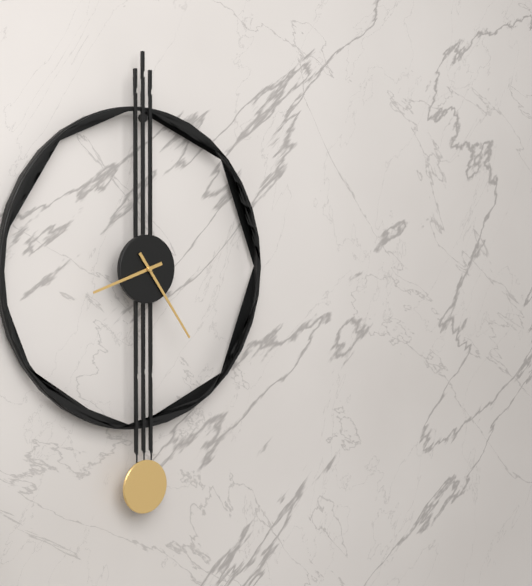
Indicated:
h=8 m=24
